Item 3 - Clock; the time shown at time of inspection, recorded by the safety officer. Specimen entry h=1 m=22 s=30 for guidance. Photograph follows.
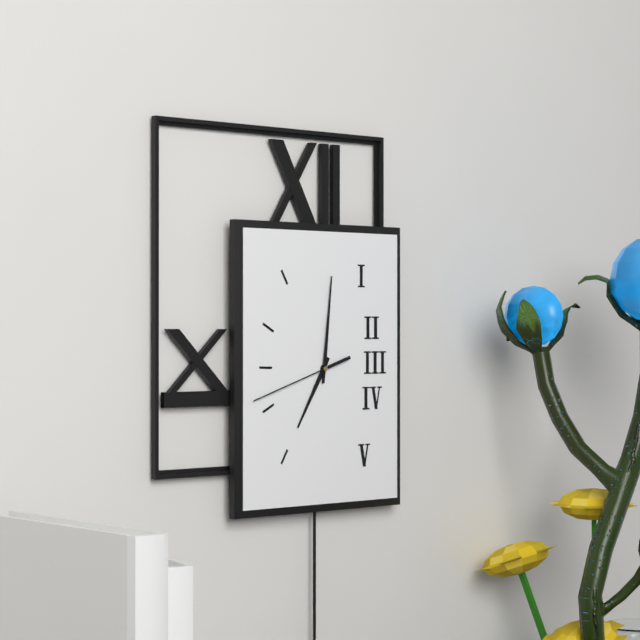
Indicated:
h=7 m=1 s=42
